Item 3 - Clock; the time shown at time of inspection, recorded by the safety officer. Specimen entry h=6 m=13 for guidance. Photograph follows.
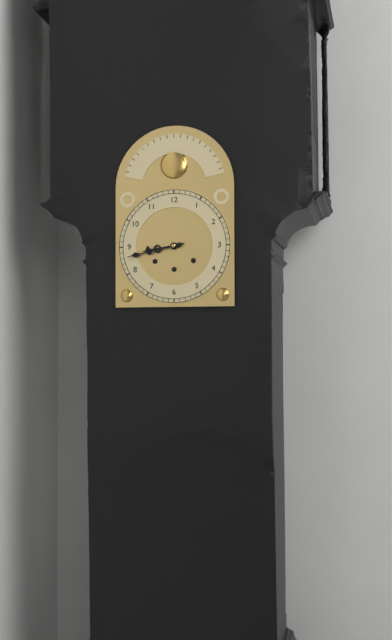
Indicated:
h=8 m=43
